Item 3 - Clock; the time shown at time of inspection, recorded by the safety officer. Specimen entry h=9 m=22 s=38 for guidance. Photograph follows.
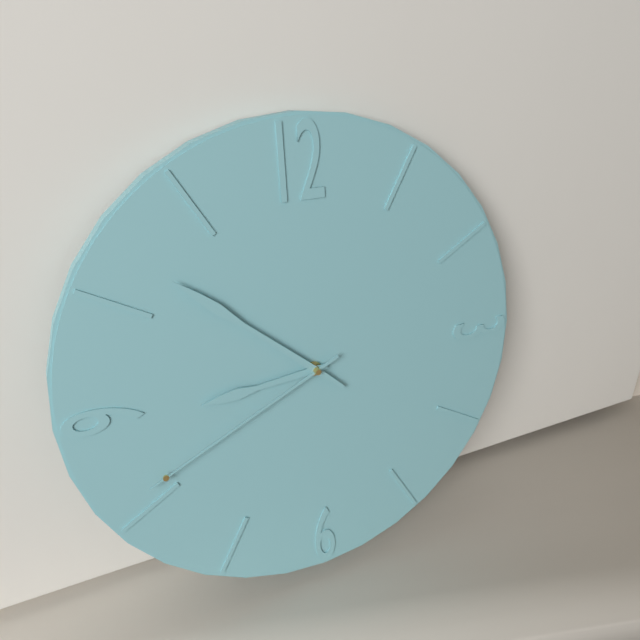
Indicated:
h=8 m=52 s=41
